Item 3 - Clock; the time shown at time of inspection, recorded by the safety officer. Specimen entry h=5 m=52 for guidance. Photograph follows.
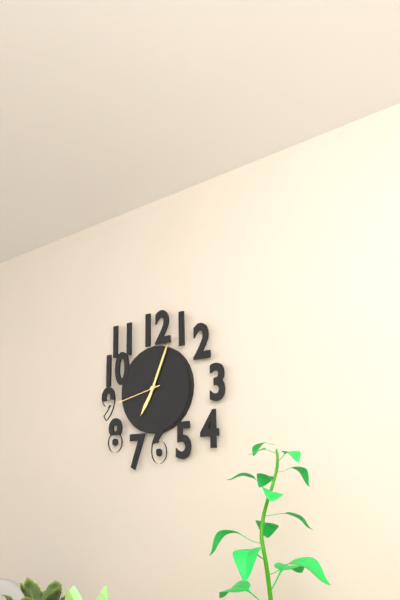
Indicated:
h=7 m=4
